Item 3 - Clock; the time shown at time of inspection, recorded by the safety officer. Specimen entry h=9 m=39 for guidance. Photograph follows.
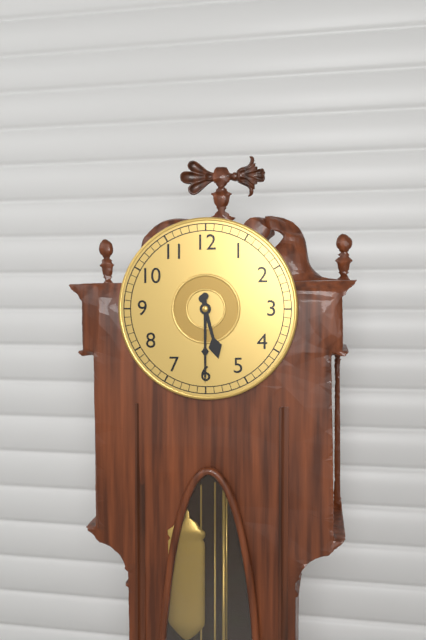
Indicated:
h=5 m=30
